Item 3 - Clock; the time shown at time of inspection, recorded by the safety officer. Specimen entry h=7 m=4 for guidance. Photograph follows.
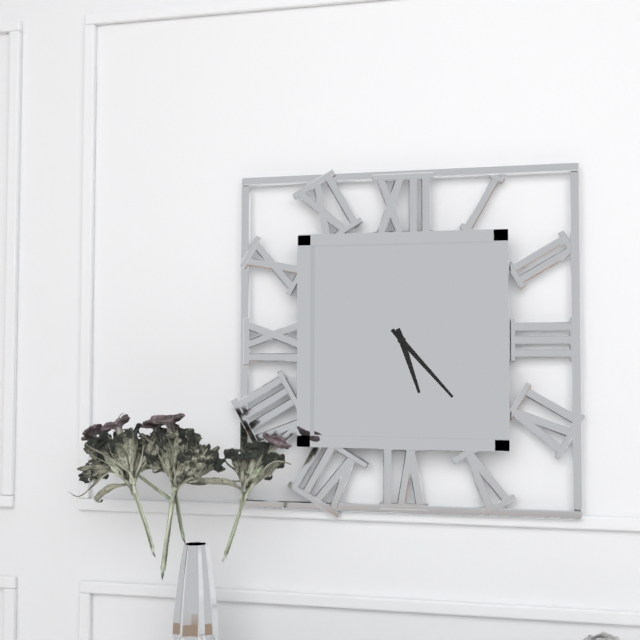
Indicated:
h=5 m=23
